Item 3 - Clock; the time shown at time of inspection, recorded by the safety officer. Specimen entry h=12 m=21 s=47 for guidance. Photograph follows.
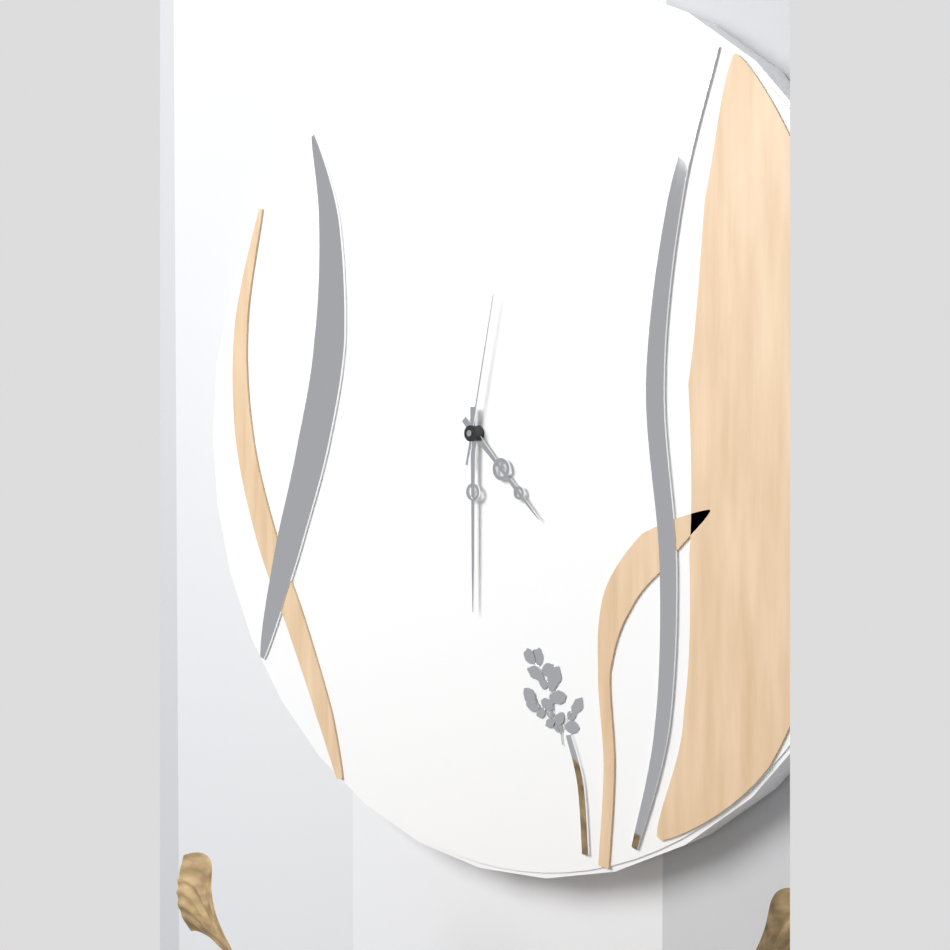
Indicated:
h=4 m=30 s=2
